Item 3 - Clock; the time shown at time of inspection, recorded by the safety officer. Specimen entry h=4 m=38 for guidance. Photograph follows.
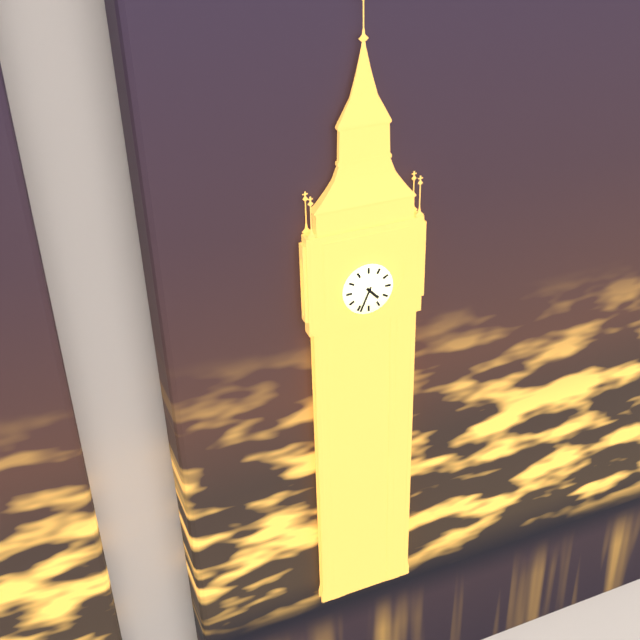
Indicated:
h=4 m=34
